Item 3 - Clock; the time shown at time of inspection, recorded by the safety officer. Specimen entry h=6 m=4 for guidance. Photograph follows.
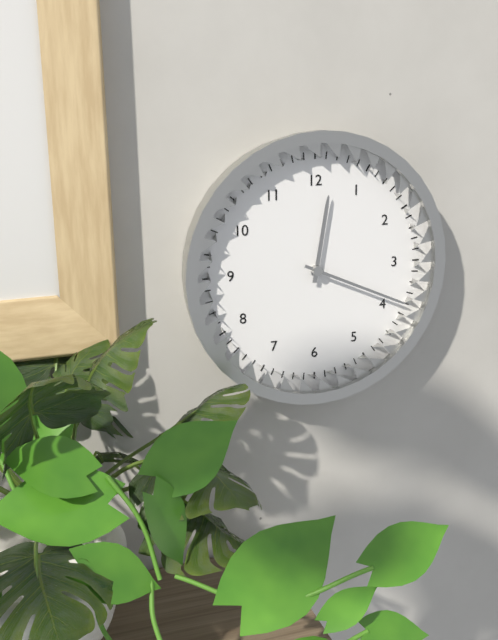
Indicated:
h=12 m=19
